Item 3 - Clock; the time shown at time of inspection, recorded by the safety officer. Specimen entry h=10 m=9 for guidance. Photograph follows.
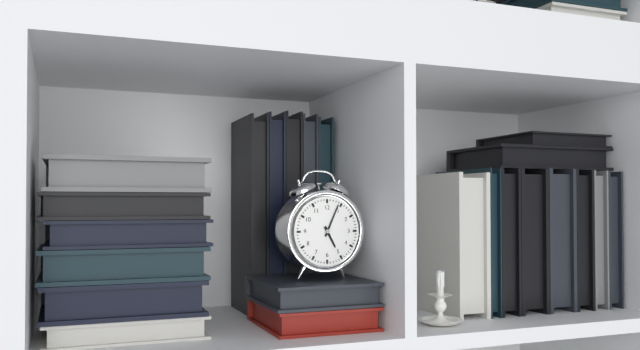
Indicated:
h=5 m=4
